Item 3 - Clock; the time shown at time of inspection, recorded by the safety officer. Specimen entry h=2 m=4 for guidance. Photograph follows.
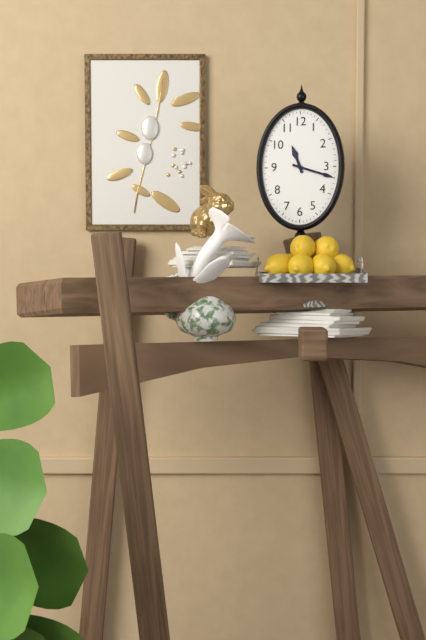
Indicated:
h=11 m=18
